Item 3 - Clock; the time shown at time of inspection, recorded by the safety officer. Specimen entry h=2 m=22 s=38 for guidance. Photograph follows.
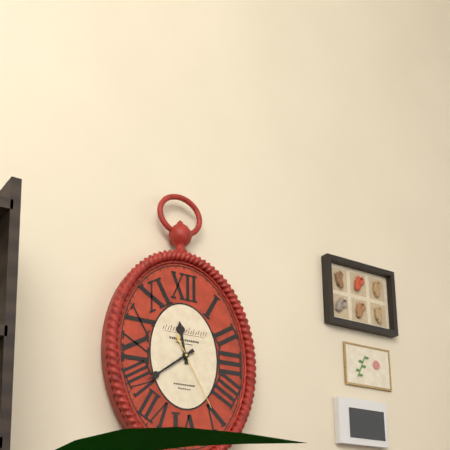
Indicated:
h=11 m=39 s=25
